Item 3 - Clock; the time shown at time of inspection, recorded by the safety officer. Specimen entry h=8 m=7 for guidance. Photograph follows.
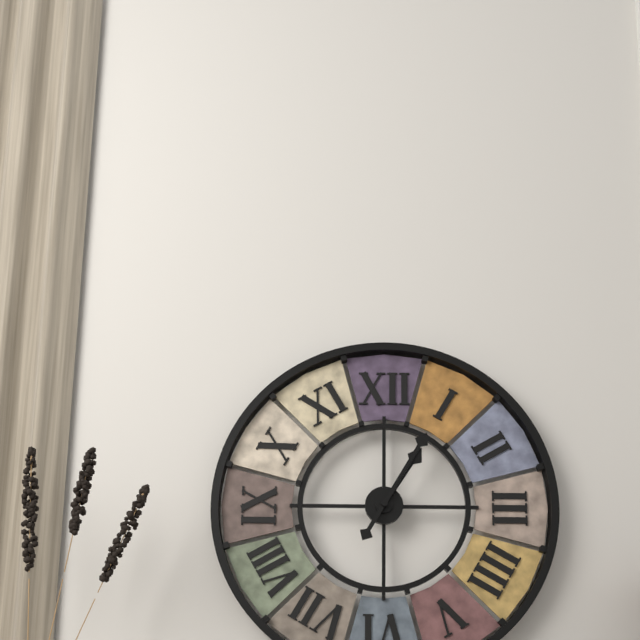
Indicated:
h=1 m=5
